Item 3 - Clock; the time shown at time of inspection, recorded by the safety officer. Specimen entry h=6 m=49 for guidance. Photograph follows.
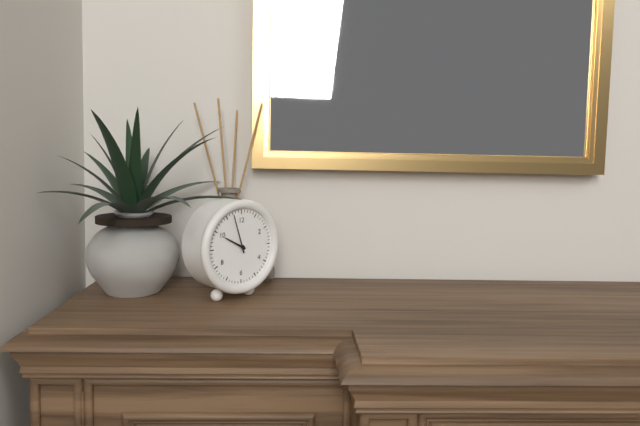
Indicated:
h=9 m=57
